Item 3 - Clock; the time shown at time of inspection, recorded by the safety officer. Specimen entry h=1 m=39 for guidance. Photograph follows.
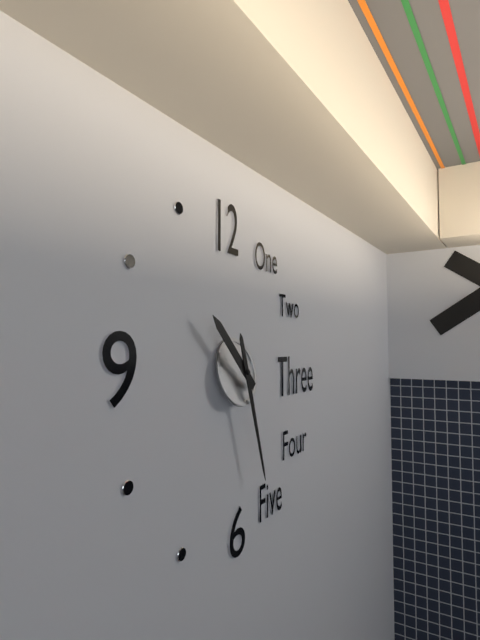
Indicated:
h=10 m=27
